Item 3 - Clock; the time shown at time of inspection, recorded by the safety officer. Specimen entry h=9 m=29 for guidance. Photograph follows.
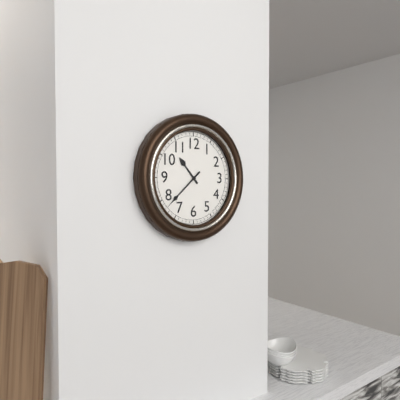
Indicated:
h=10 m=38
